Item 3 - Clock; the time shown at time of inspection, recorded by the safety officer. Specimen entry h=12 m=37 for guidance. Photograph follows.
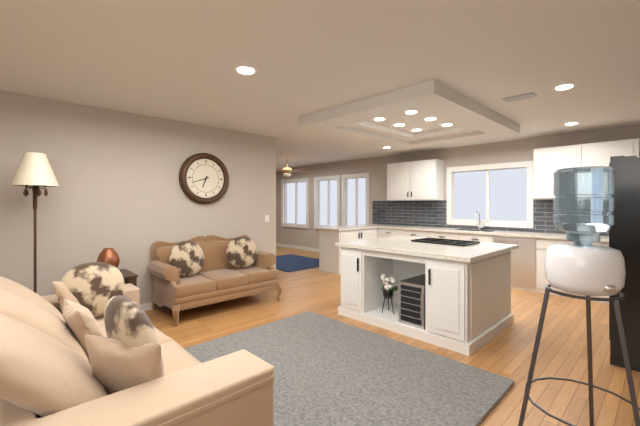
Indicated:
h=6 m=42
